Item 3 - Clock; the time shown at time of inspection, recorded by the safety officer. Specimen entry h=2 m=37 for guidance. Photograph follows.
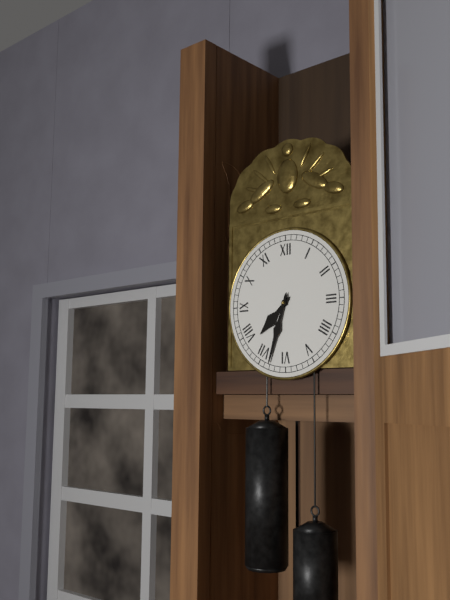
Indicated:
h=7 m=33
